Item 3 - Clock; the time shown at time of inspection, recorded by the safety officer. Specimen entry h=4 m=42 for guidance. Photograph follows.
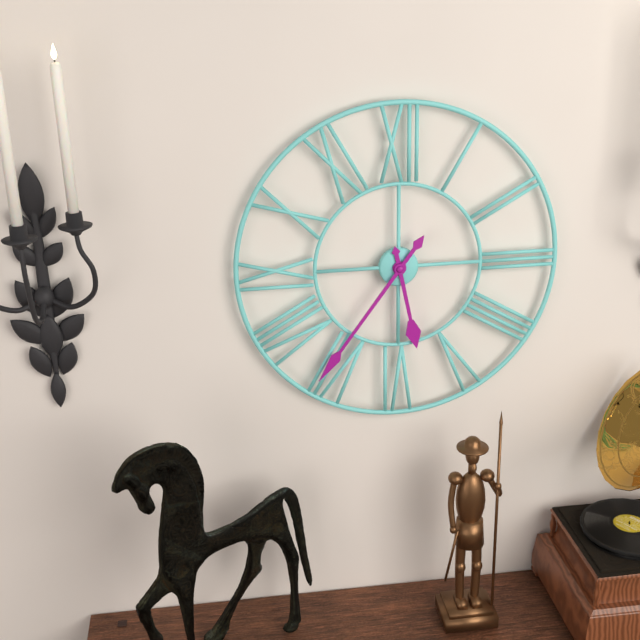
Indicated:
h=5 m=36
